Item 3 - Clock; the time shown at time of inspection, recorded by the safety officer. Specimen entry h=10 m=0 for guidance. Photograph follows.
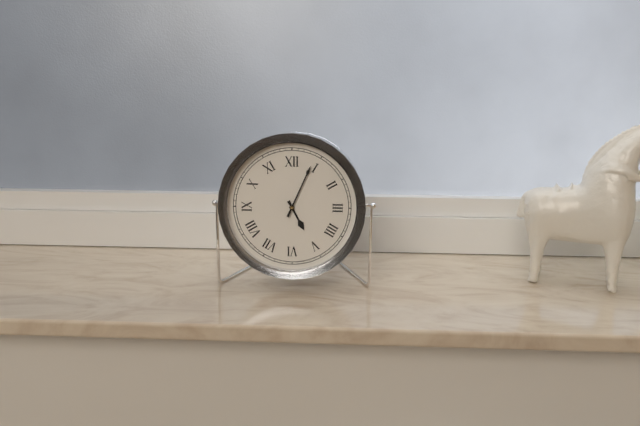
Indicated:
h=5 m=4
